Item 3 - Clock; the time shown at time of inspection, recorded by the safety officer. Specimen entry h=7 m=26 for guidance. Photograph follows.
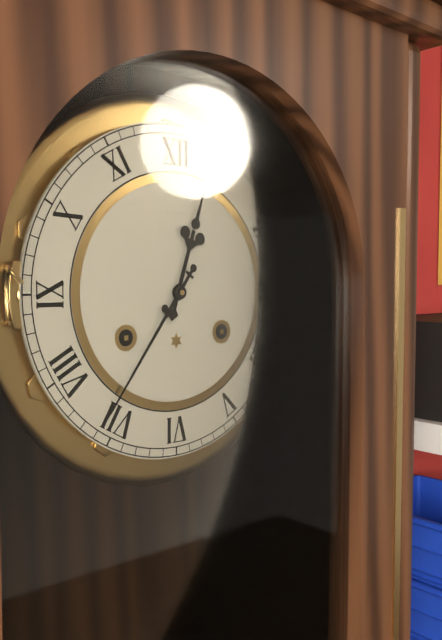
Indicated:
h=12 m=36
